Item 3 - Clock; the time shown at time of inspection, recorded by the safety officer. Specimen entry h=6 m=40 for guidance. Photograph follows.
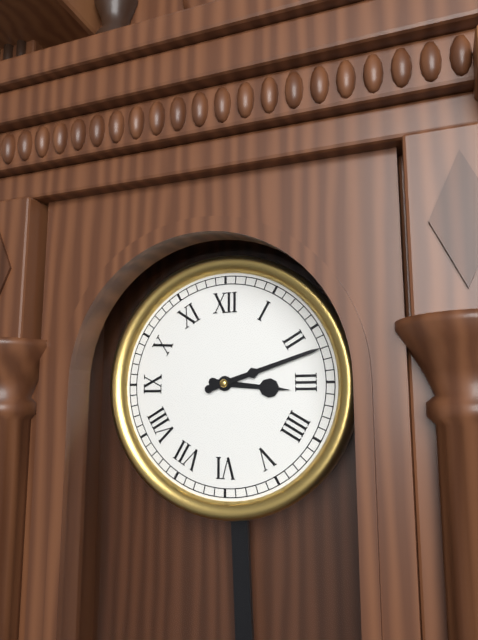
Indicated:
h=3 m=12
